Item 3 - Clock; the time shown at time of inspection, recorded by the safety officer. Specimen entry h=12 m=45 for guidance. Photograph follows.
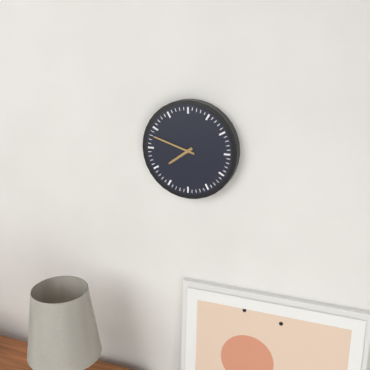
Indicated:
h=7 m=48
